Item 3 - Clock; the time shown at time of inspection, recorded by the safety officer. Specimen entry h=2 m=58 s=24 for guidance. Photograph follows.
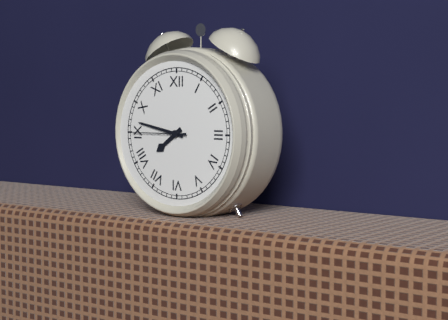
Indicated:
h=7 m=47 s=45
